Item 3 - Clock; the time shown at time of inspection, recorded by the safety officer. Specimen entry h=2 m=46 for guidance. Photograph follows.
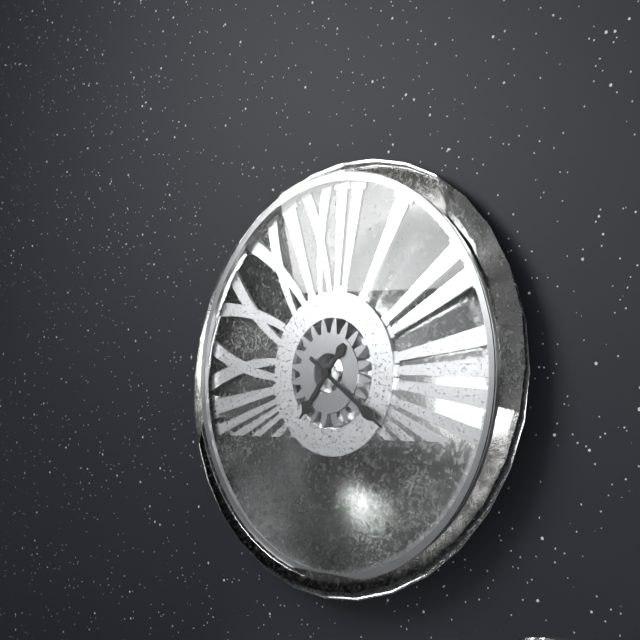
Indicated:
h=7 m=21
